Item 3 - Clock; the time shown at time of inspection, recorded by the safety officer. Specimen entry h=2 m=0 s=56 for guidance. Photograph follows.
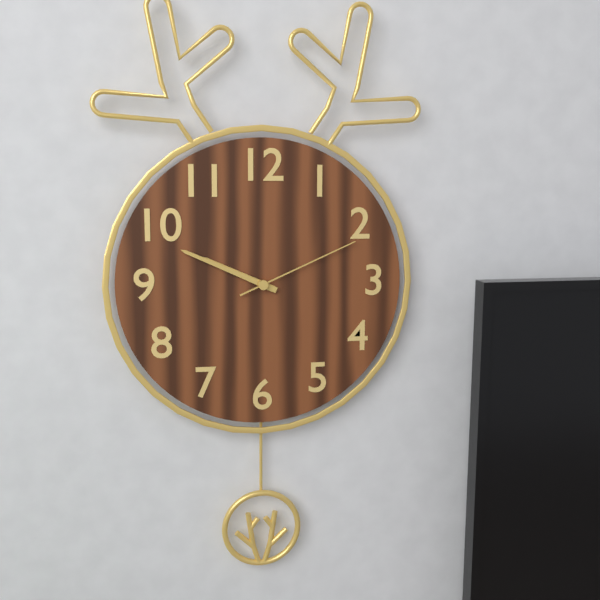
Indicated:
h=9 m=49 s=11
